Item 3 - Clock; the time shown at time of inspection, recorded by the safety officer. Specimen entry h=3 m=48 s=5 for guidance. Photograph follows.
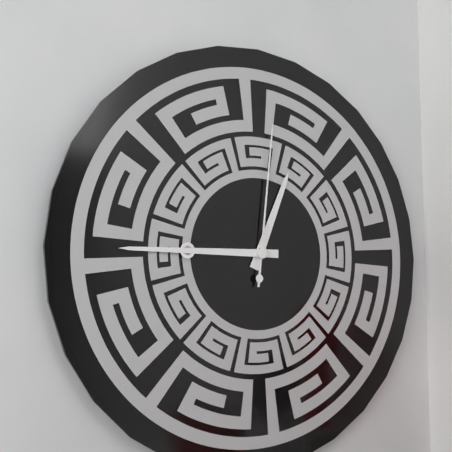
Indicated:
h=12 m=45 s=1
